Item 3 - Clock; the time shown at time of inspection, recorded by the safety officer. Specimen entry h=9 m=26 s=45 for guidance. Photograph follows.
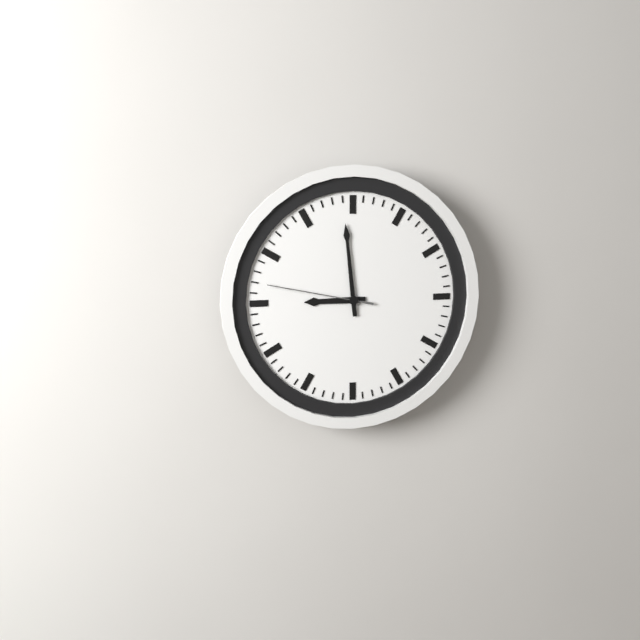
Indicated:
h=8 m=59 s=47
